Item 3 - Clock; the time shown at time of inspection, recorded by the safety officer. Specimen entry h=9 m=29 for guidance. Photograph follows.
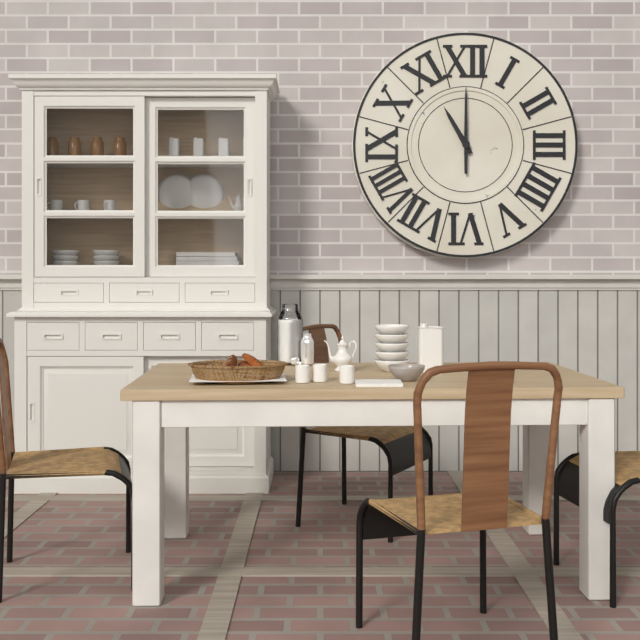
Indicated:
h=11 m=0
